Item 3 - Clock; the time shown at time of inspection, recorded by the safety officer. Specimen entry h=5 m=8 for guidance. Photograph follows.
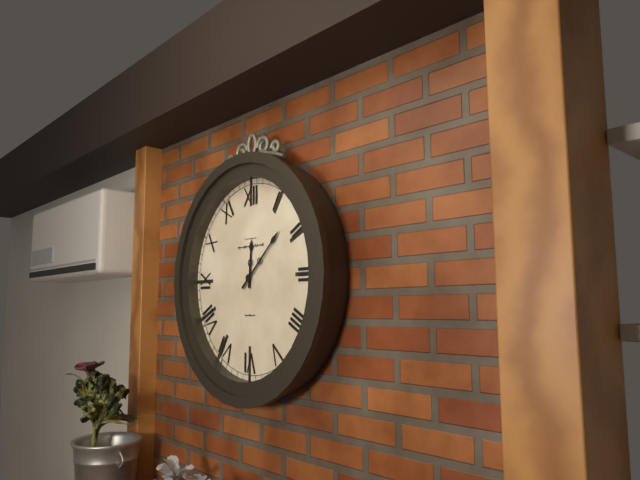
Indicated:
h=12 m=8
